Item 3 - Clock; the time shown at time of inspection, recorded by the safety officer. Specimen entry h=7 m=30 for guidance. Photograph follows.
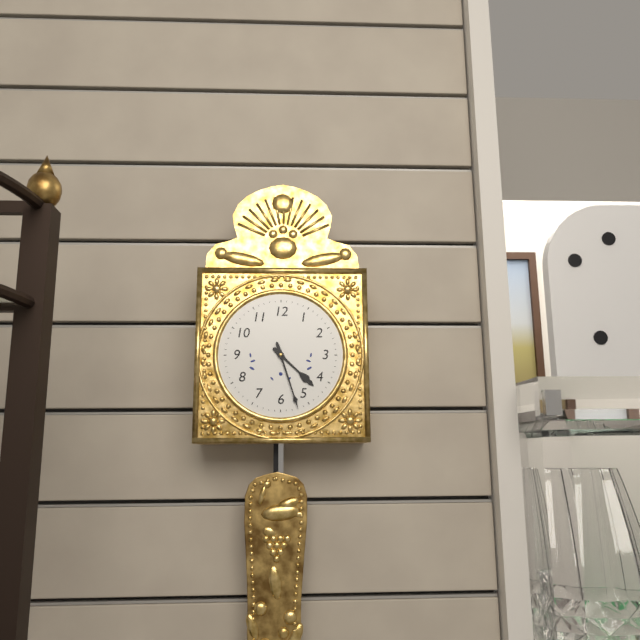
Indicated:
h=4 m=27
